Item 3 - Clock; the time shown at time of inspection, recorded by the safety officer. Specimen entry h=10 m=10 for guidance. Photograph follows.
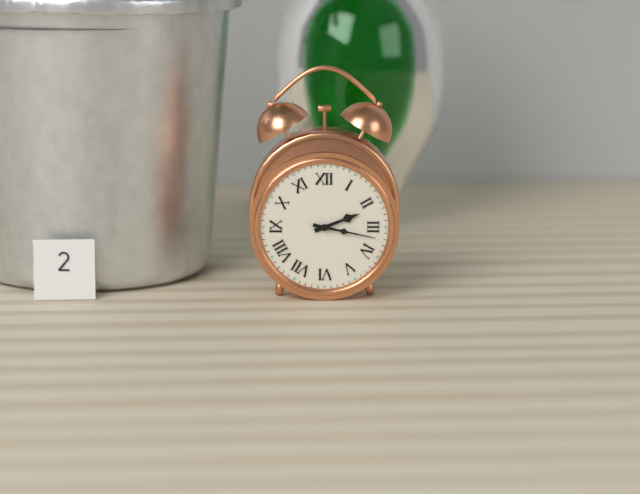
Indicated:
h=2 m=17
